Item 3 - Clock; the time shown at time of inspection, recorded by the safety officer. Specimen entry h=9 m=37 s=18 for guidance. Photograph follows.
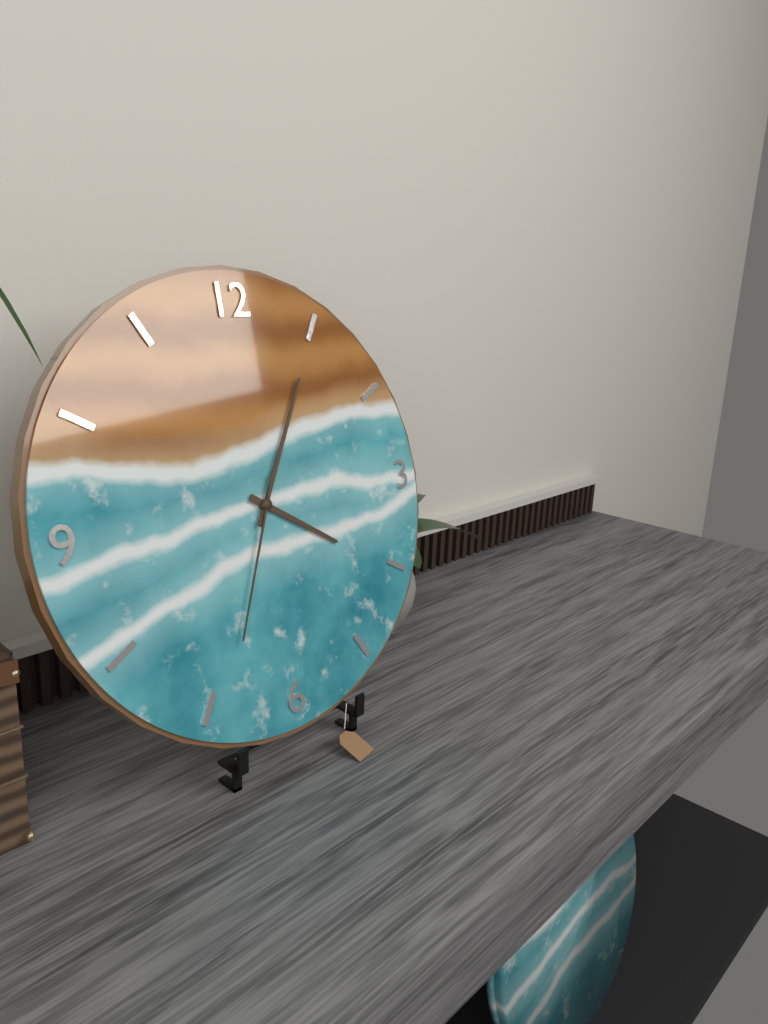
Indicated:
h=4 m=5 s=34
